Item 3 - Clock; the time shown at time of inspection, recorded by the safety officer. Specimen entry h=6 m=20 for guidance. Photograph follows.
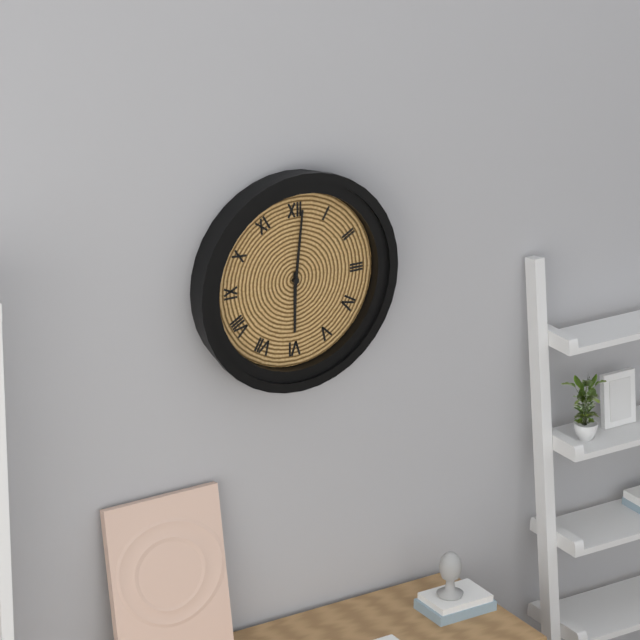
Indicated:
h=6 m=1
